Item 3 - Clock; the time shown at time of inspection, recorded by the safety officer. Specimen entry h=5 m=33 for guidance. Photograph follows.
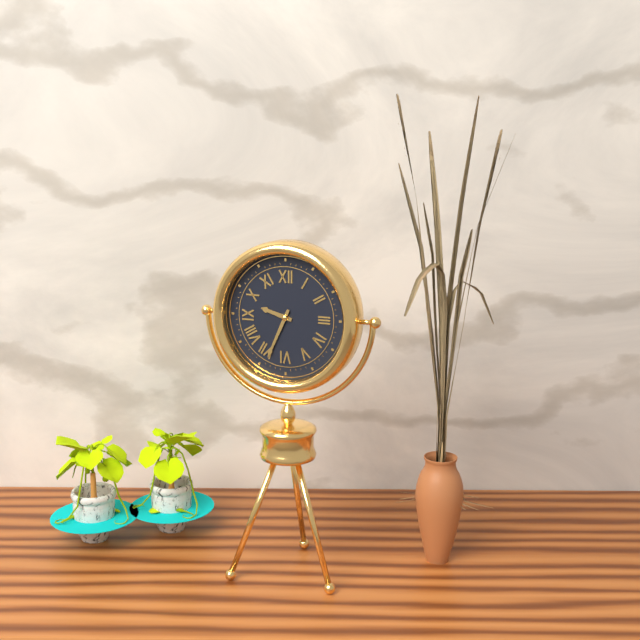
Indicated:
h=9 m=34
